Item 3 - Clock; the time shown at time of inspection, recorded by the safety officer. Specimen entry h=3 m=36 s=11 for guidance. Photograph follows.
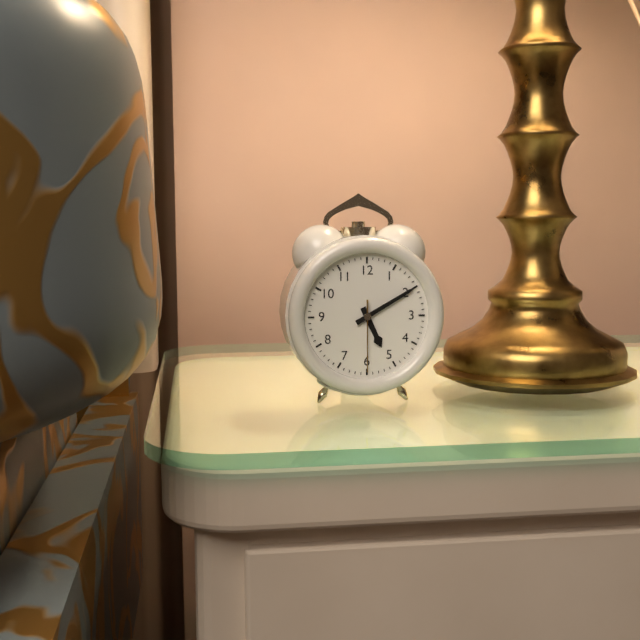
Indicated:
h=5 m=10 s=30
